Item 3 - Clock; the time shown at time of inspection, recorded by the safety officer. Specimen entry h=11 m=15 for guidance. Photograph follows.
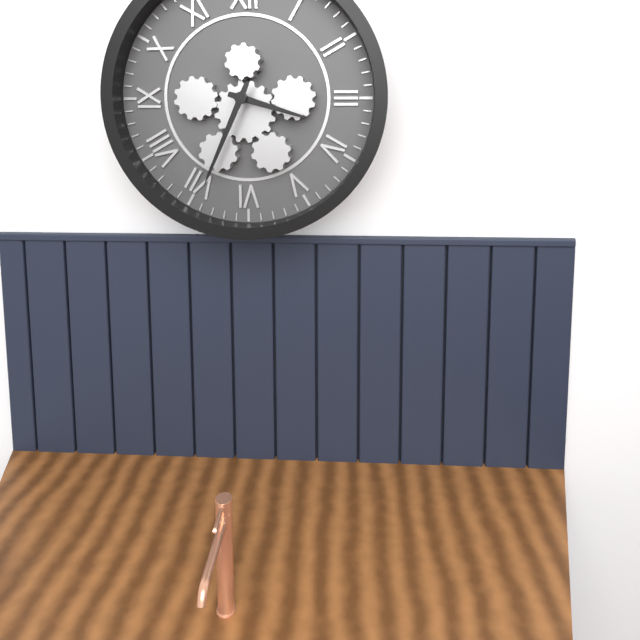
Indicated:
h=3 m=34
